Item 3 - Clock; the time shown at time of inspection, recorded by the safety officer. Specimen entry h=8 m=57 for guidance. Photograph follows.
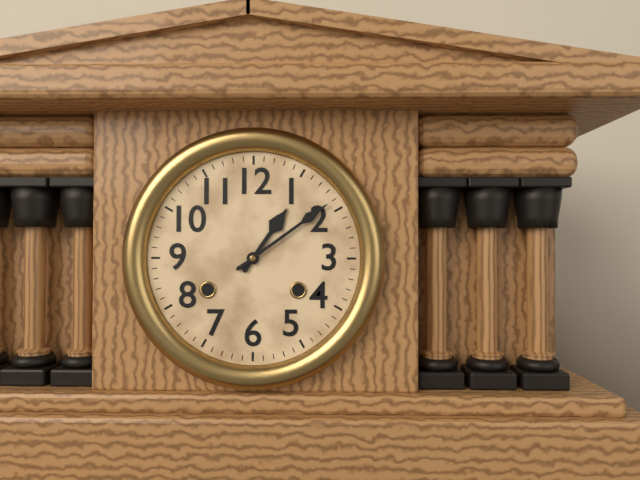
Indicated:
h=1 m=9
